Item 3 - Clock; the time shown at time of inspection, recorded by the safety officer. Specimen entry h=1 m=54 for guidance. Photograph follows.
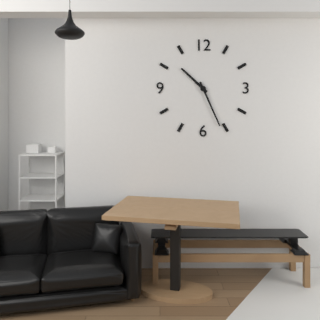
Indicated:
h=10 m=26
